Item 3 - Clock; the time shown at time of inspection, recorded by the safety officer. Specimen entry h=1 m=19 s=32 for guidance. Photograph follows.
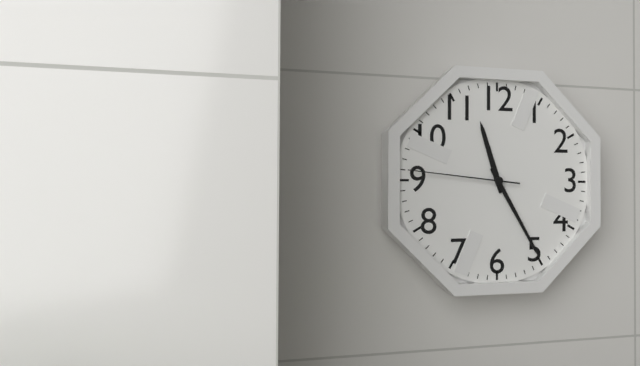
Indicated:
h=11 m=25 s=46
